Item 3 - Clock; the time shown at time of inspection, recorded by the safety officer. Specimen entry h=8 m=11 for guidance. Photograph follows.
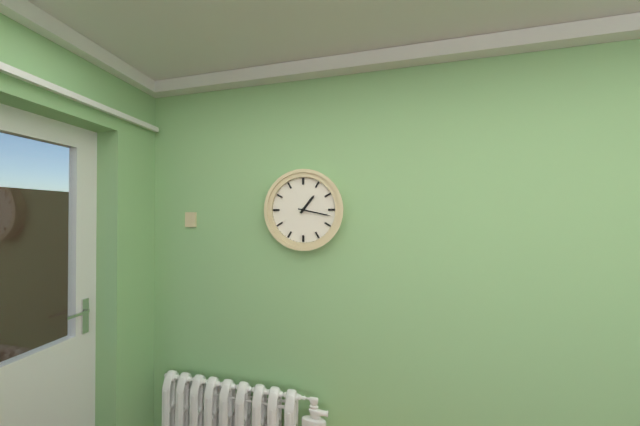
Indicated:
h=1 m=17
